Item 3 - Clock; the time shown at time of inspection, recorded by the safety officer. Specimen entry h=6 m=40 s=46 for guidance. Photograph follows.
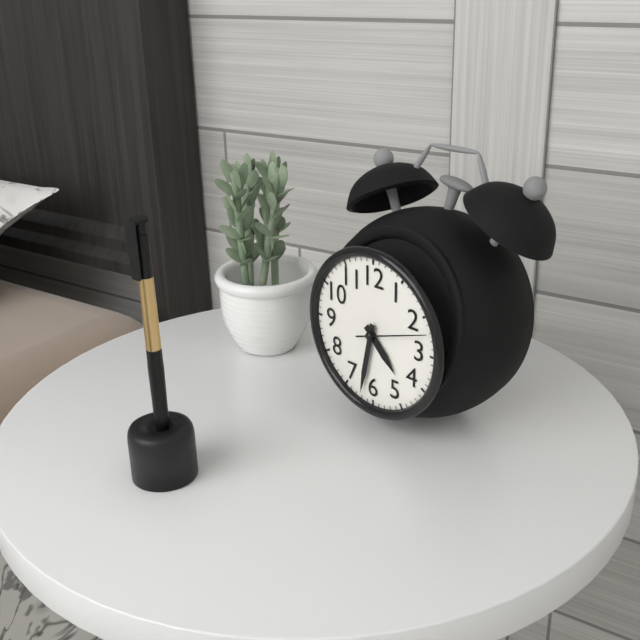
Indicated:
h=4 m=32 s=12
